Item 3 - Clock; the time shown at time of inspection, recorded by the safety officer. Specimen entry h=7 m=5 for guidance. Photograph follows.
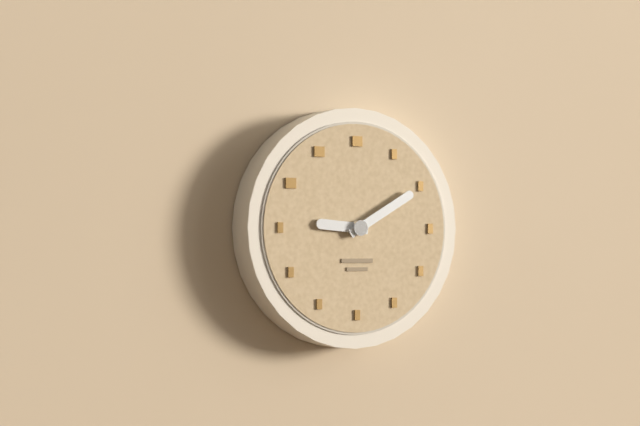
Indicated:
h=9 m=10
